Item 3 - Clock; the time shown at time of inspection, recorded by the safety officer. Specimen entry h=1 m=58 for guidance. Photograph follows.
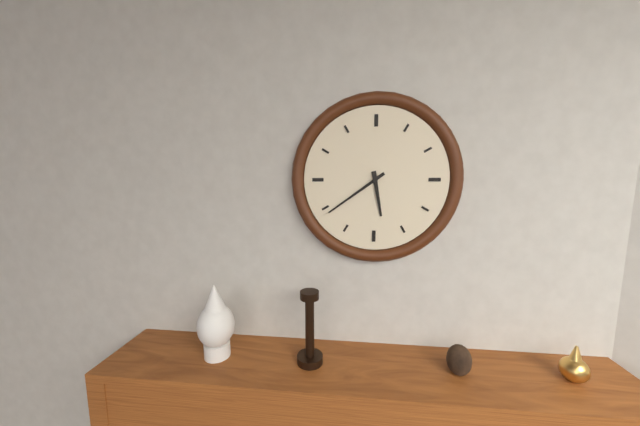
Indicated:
h=5 m=39
